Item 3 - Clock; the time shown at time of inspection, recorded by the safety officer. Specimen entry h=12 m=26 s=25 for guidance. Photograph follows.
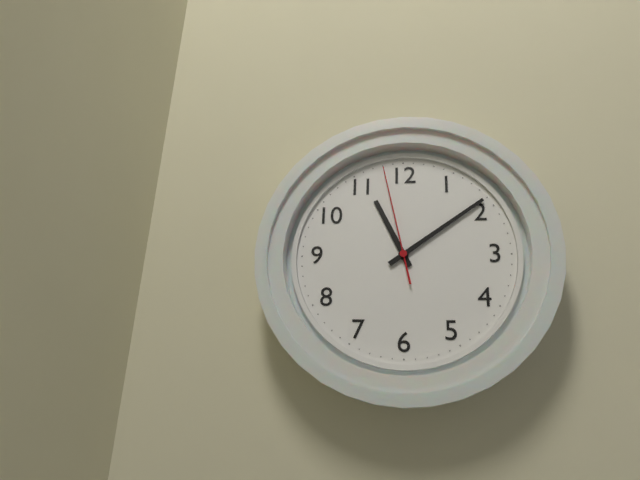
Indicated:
h=11 m=9 s=58
